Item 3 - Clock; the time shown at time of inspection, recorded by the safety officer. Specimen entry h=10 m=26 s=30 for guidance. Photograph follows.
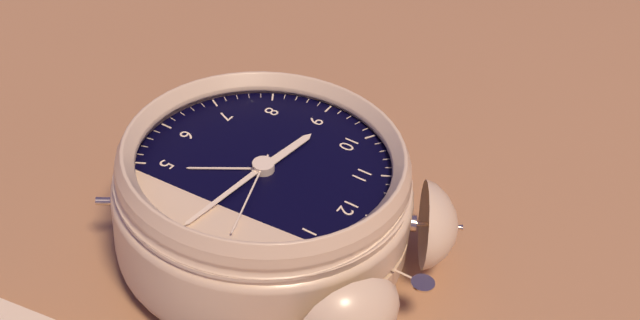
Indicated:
h=9 m=16 s=12
